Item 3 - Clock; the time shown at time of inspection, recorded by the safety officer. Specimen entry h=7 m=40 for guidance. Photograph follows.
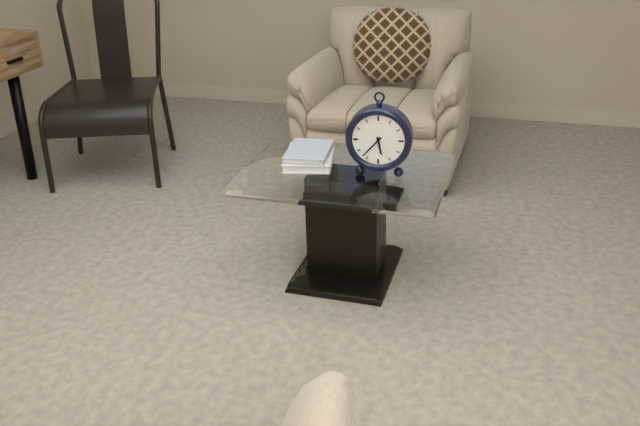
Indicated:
h=5 m=37
